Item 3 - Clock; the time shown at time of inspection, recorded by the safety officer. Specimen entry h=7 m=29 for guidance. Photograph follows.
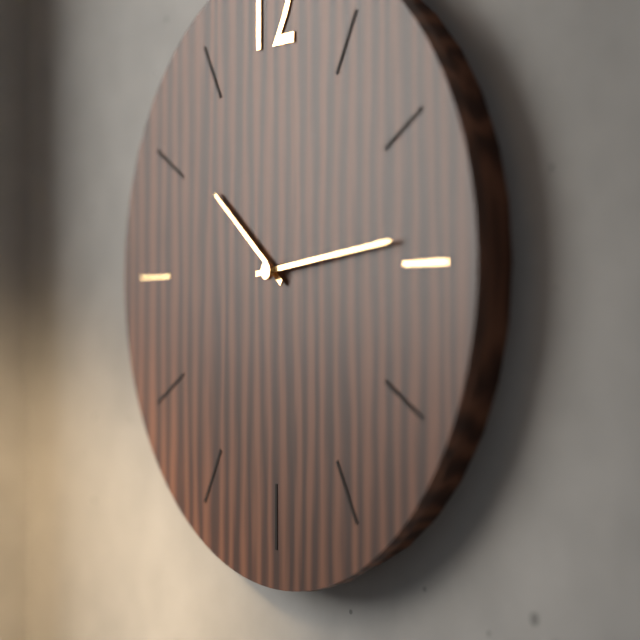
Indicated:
h=10 m=14
